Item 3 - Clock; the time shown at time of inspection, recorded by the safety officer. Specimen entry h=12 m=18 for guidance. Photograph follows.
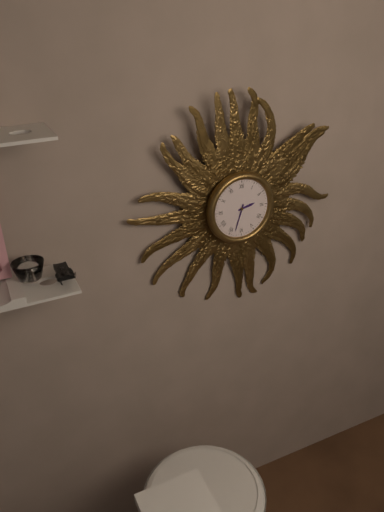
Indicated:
h=2 m=33
